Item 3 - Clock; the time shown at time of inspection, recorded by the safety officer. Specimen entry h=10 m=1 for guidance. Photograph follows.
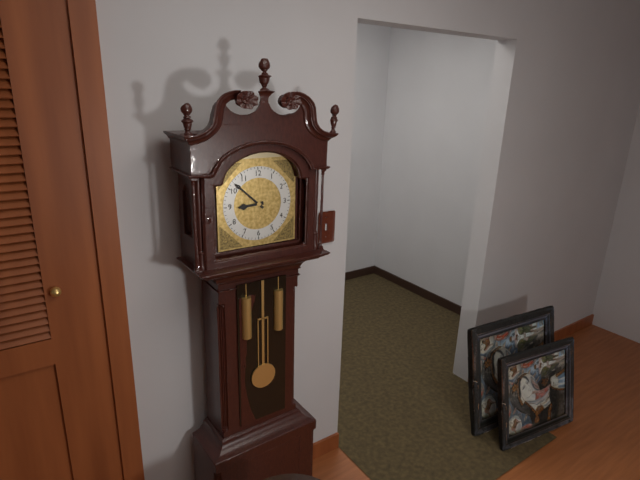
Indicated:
h=8 m=52
